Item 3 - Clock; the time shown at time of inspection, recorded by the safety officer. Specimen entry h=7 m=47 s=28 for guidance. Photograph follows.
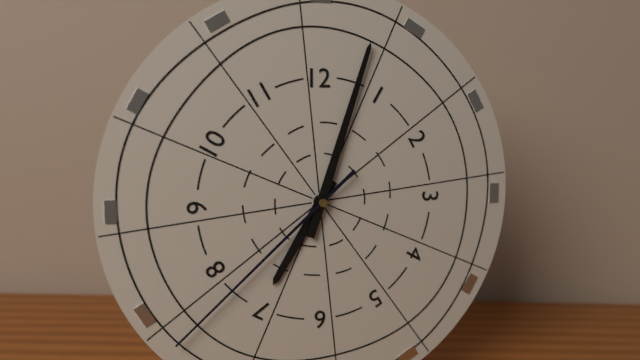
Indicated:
h=7 m=3 s=38
